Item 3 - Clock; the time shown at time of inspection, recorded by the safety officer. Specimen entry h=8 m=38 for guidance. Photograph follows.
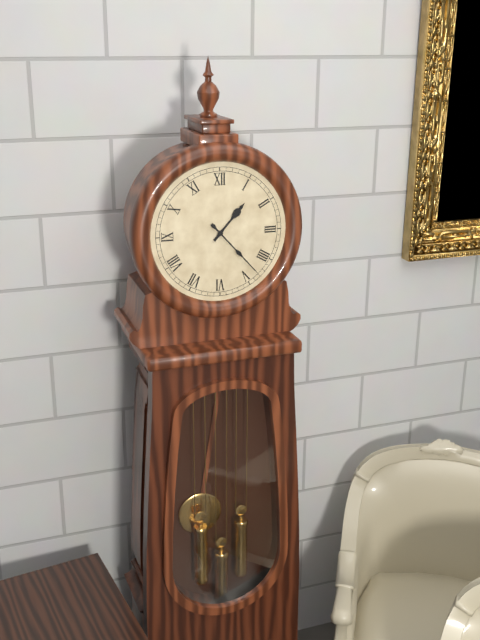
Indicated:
h=1 m=23
